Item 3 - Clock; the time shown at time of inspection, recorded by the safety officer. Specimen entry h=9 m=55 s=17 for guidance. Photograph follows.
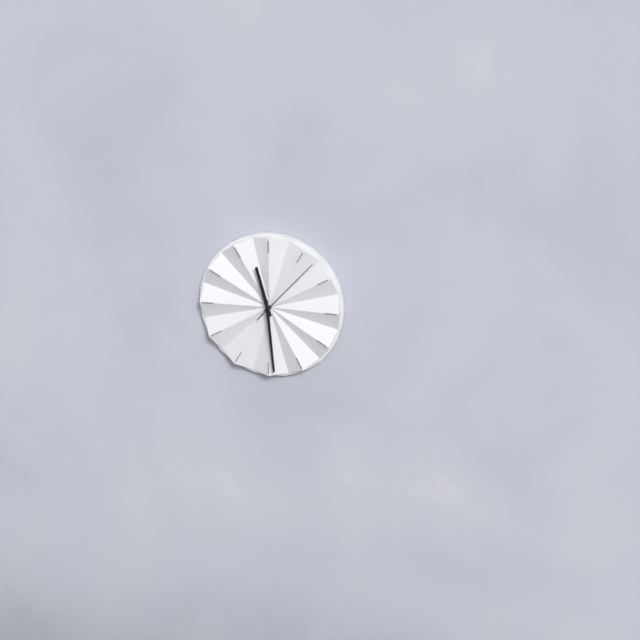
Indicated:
h=11 m=29 s=7
